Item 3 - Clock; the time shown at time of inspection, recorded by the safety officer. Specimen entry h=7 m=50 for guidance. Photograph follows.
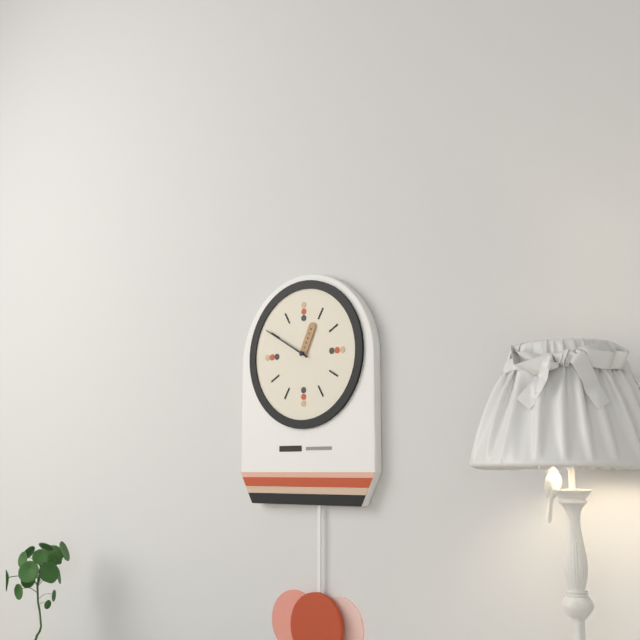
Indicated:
h=12 m=50
